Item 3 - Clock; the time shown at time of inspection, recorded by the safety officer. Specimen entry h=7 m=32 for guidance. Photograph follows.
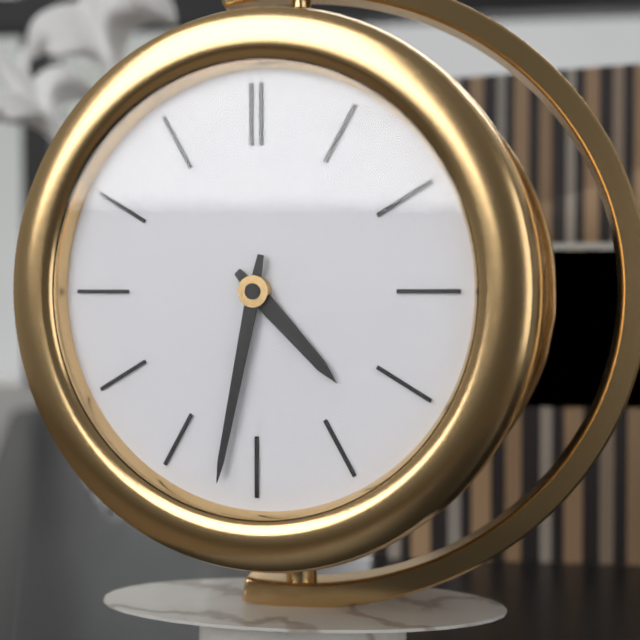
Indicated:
h=4 m=32
